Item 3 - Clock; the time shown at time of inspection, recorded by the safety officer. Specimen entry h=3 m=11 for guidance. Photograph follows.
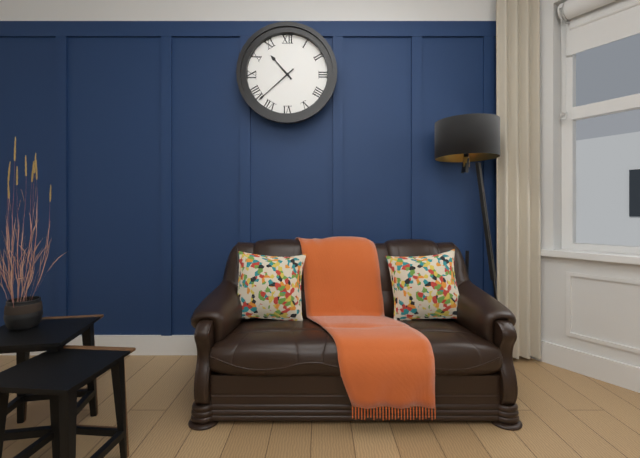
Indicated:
h=10 m=38
